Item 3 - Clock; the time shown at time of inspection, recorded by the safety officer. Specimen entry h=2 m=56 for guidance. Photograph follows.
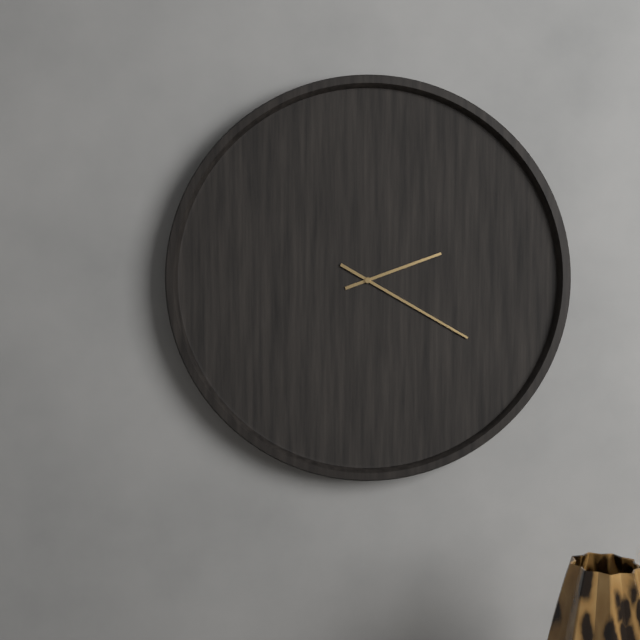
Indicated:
h=2 m=20
